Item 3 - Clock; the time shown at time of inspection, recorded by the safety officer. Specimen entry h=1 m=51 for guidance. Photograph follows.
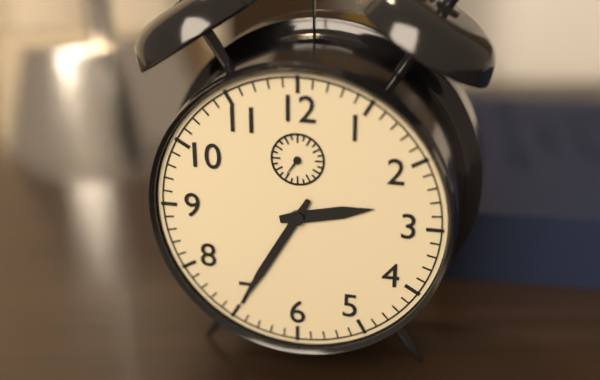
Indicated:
h=2 m=35
